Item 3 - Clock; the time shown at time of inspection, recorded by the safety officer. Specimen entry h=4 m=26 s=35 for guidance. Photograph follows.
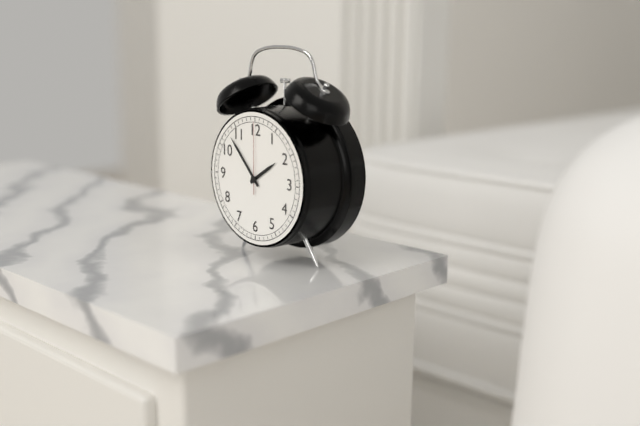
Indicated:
h=1 m=53 s=0
